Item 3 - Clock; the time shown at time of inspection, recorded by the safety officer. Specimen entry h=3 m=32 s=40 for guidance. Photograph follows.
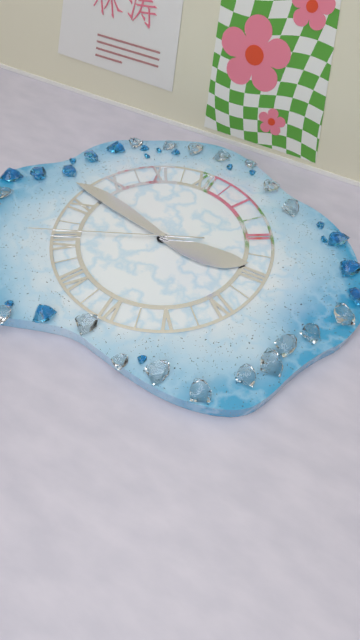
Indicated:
h=2 m=47 s=41
